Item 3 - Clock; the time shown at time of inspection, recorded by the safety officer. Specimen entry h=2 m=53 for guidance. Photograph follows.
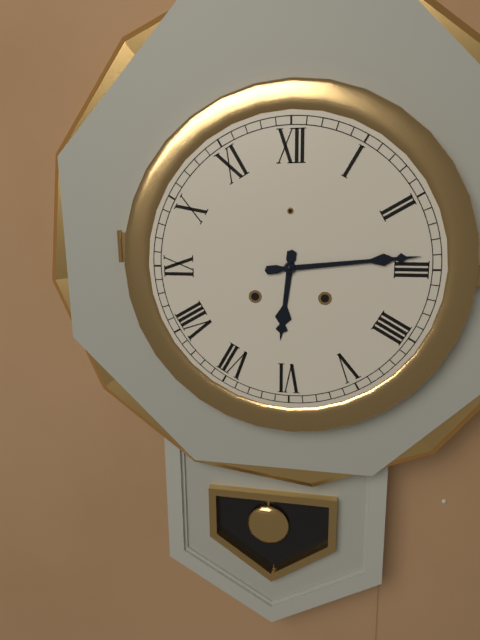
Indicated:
h=6 m=14
